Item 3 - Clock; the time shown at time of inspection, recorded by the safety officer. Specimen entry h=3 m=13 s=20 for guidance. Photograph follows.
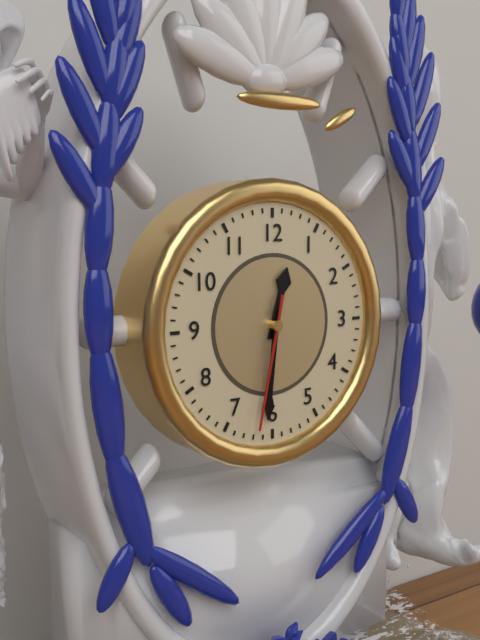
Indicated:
h=12 m=31 s=32
